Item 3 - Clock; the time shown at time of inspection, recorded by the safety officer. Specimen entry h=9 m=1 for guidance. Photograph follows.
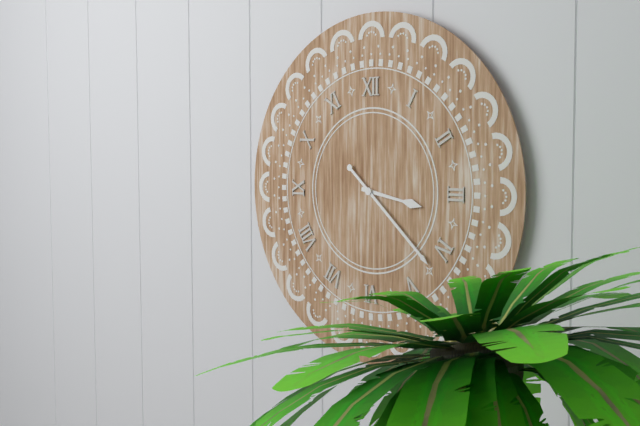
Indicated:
h=3 m=22
